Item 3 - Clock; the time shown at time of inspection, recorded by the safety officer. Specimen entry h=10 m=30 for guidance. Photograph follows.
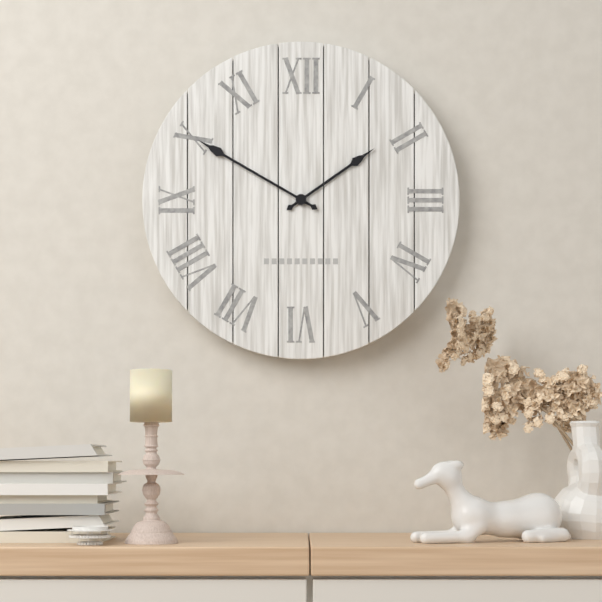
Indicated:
h=1 m=50
